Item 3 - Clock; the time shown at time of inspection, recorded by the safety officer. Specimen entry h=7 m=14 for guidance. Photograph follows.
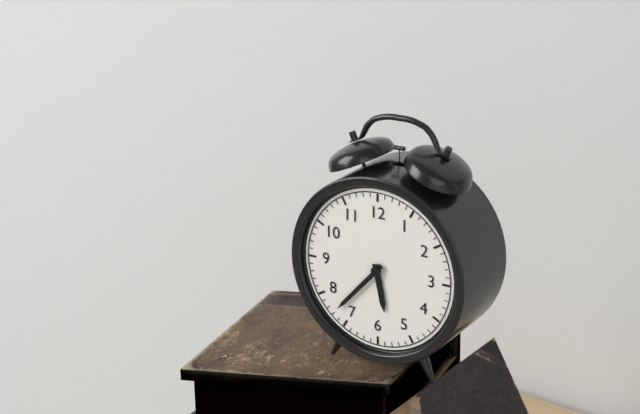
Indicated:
h=5 m=37
